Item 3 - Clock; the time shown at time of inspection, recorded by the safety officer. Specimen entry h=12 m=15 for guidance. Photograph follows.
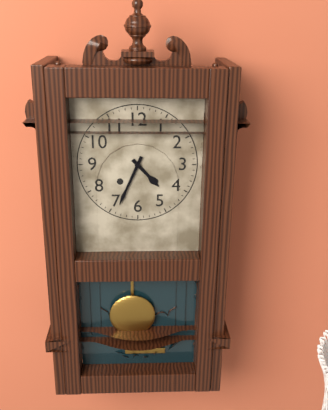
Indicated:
h=4 m=34
